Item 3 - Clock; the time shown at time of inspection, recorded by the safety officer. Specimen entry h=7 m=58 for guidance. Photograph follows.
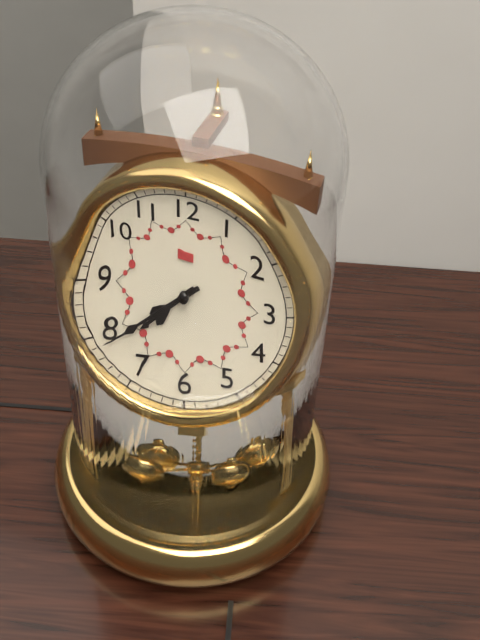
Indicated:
h=7 m=39
